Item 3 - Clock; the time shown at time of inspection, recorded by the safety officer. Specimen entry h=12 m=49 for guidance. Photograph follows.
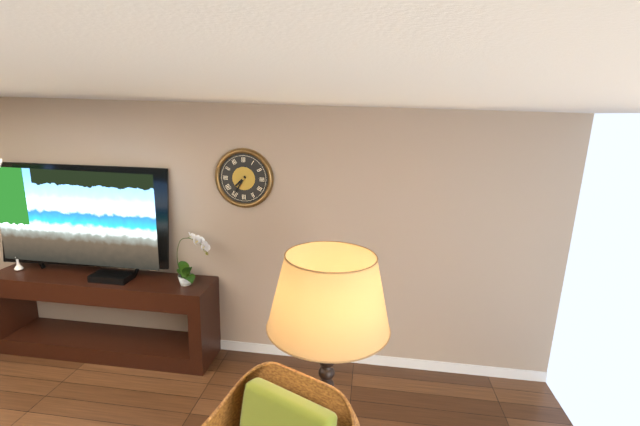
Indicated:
h=7 m=35
